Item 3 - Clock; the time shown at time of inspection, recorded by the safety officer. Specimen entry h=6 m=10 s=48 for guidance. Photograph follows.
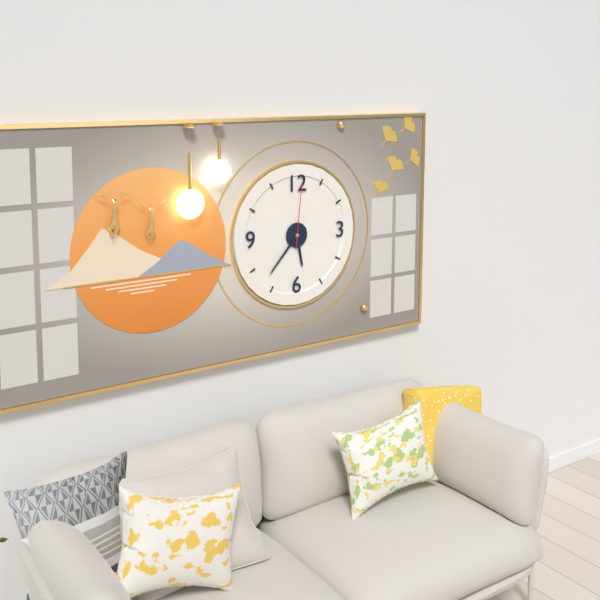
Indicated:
h=5 m=37 s=1
